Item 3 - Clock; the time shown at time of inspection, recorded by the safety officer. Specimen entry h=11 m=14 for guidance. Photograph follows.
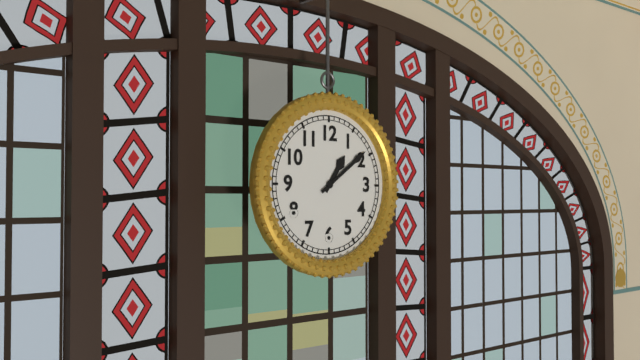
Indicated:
h=1 m=9
